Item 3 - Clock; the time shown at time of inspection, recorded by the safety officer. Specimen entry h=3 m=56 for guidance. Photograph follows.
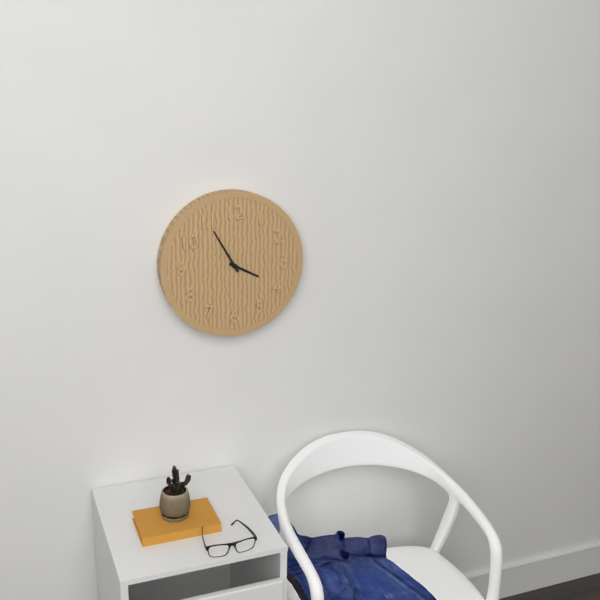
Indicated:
h=3 m=55
